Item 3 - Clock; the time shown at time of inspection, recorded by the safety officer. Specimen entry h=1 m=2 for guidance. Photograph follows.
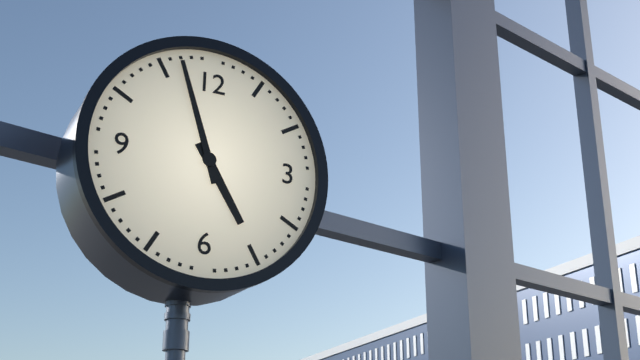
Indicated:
h=4 m=57
